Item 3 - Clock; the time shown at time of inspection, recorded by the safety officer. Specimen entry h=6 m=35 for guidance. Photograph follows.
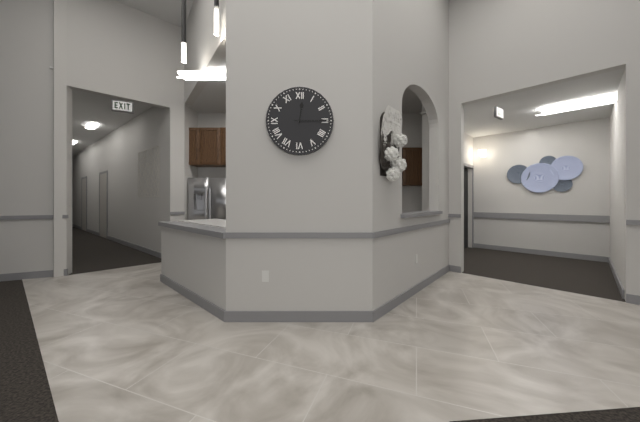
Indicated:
h=12 m=15
